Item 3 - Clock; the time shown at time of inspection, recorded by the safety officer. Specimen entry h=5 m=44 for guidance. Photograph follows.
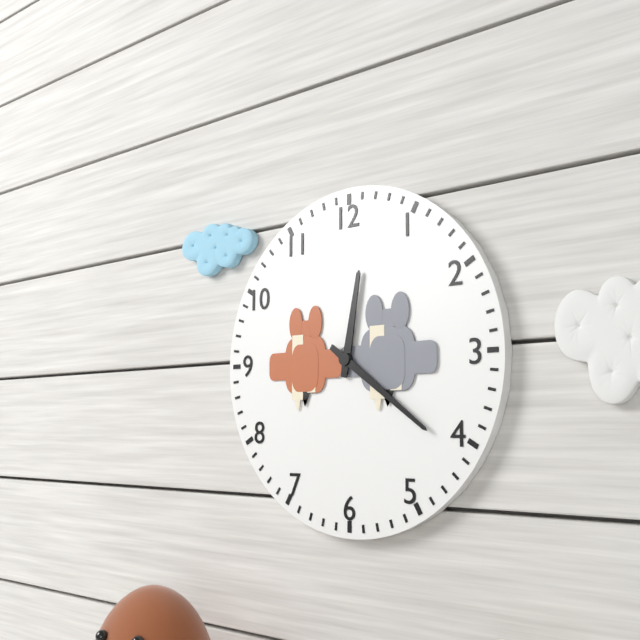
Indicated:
h=12 m=21
